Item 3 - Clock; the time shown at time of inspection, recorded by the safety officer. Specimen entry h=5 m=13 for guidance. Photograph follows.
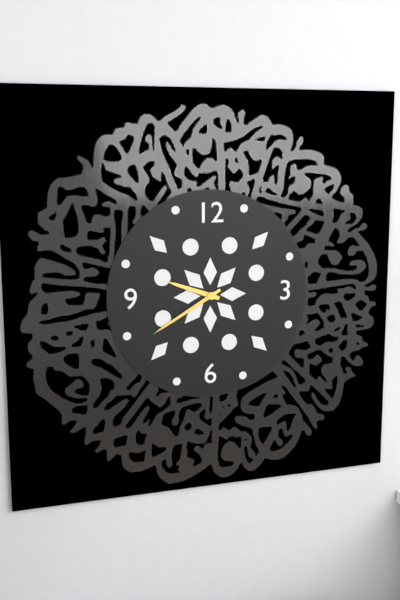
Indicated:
h=9 m=40
